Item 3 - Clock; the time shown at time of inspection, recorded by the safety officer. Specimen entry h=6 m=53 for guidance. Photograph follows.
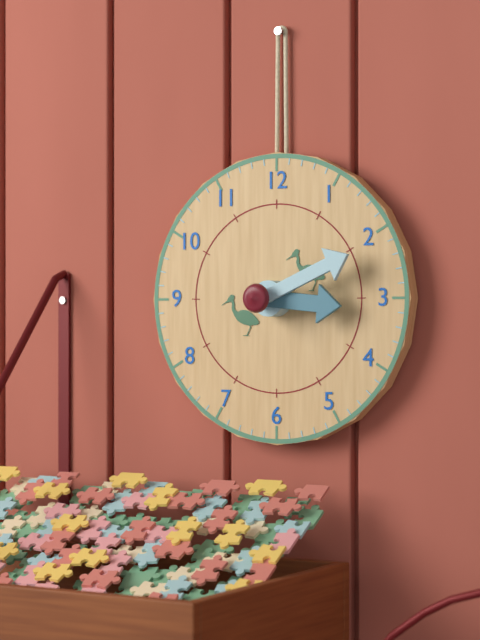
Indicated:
h=3 m=11
